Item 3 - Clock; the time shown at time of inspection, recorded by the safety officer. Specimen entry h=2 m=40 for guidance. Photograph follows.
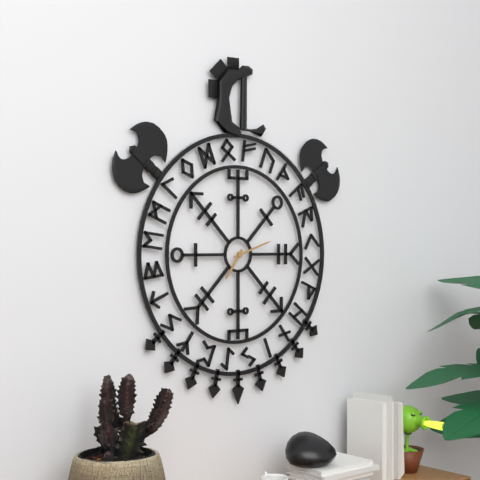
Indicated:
h=7 m=12
